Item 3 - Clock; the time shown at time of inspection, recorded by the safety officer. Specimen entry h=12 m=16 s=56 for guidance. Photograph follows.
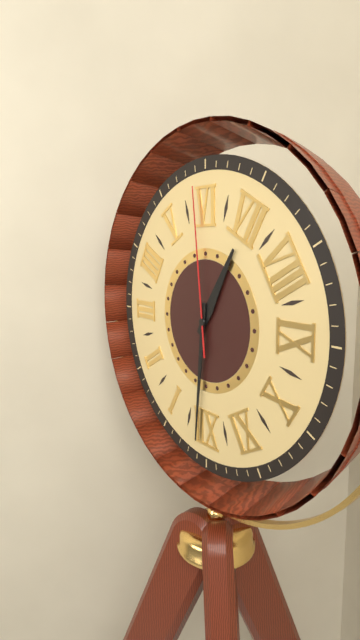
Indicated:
h=7 m=1 s=29
